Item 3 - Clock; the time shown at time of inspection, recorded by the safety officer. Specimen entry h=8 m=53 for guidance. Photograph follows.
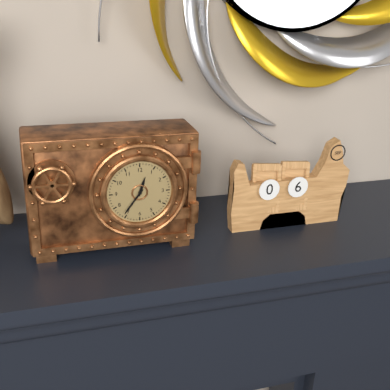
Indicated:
h=12 m=36
